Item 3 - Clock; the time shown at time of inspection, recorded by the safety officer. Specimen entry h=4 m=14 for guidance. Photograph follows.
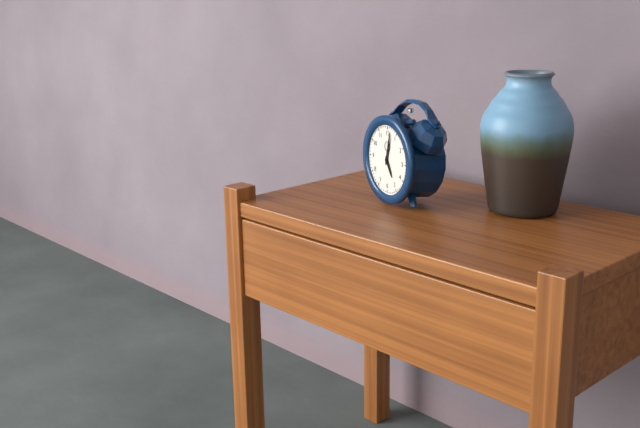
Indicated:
h=5 m=2
